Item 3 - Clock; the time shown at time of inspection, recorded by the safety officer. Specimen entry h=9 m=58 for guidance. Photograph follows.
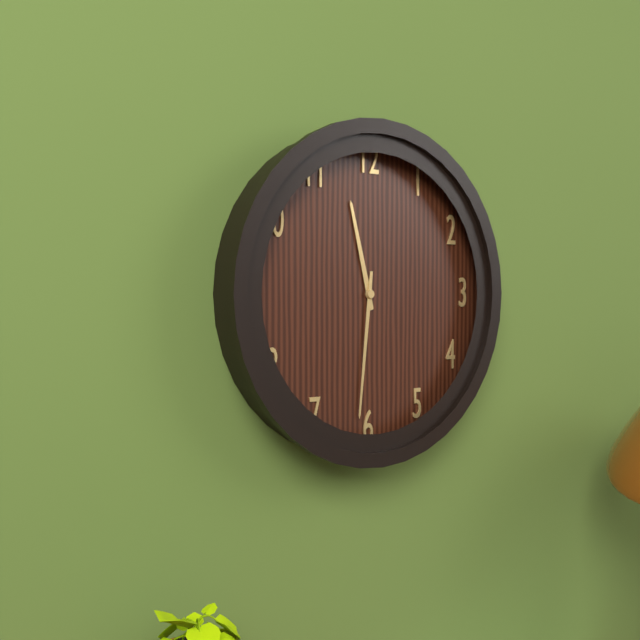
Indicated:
h=11 m=31
